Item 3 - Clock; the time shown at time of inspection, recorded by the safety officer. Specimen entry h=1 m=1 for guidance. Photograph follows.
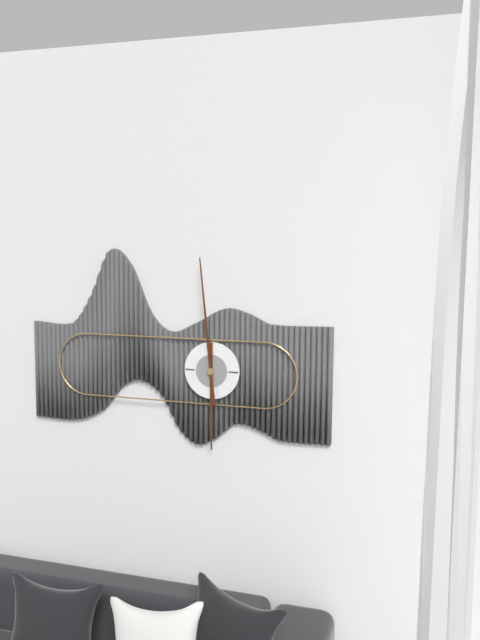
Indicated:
h=5 m=59
